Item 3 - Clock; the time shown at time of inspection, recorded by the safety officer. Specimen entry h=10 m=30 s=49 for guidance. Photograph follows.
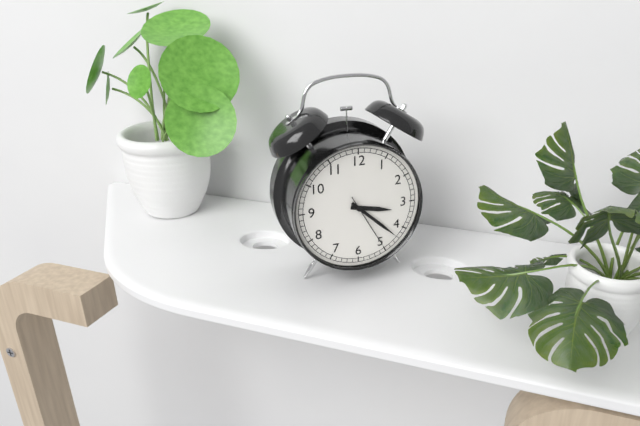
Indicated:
h=3 m=22 s=25
